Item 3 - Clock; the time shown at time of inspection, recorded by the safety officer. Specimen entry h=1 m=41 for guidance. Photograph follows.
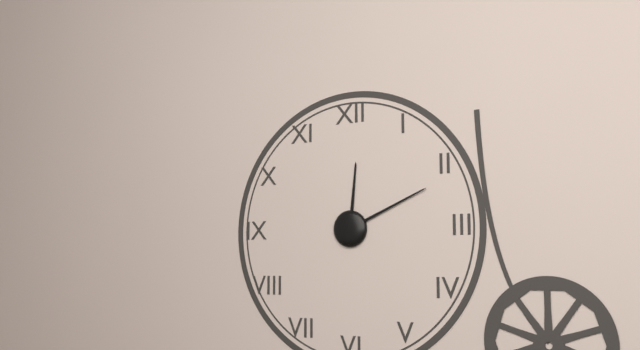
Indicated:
h=12 m=11
